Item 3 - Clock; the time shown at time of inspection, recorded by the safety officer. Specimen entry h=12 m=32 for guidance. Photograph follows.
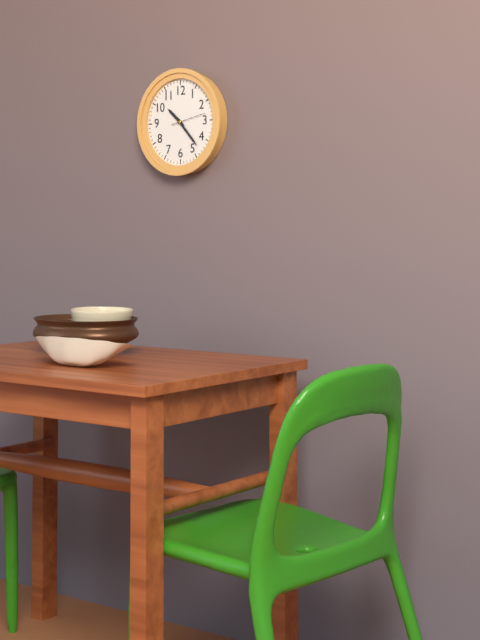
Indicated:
h=10 m=23
